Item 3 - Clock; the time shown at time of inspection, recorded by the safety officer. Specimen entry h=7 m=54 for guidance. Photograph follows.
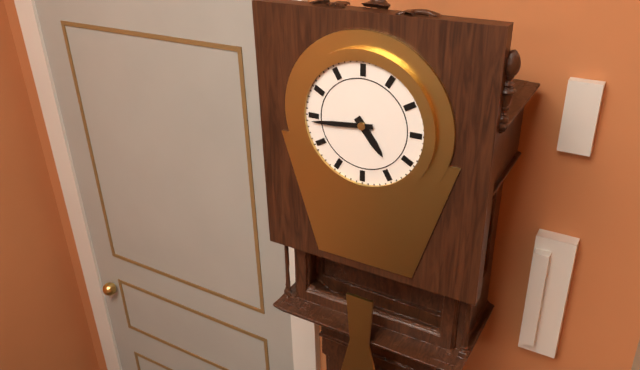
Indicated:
h=4 m=44
